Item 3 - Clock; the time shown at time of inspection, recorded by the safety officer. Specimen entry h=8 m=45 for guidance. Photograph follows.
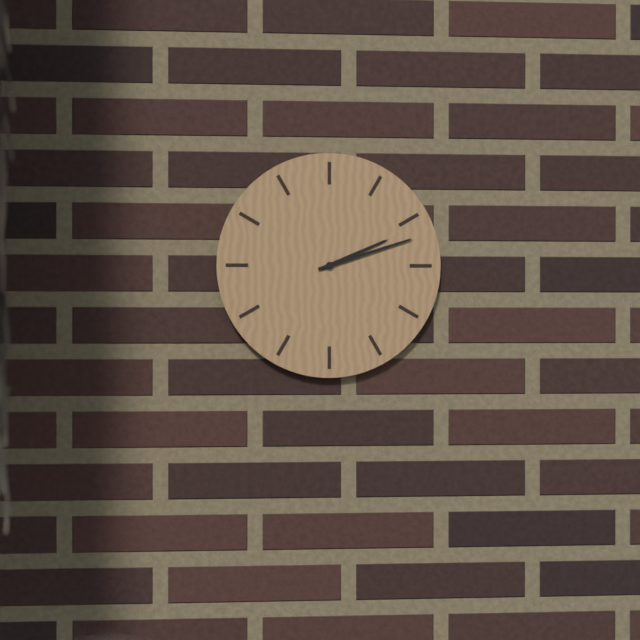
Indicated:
h=2 m=12
